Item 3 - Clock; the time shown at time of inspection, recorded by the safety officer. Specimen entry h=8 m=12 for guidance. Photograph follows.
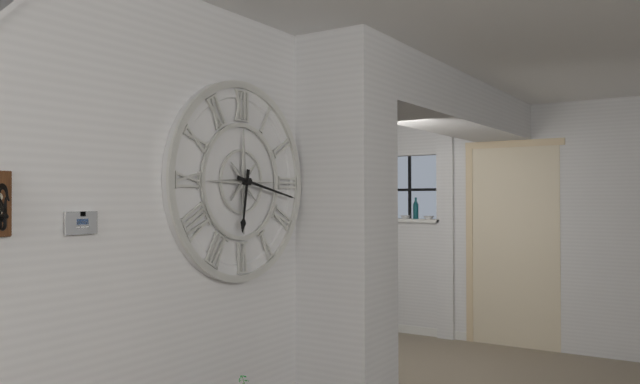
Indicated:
h=6 m=17
